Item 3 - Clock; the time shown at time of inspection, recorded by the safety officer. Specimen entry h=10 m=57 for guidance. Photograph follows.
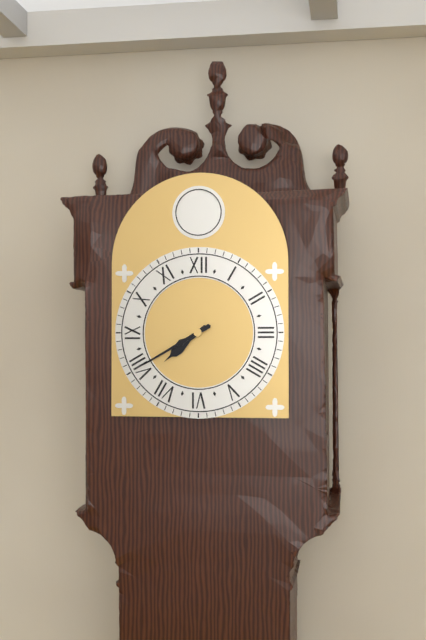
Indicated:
h=7 m=40
